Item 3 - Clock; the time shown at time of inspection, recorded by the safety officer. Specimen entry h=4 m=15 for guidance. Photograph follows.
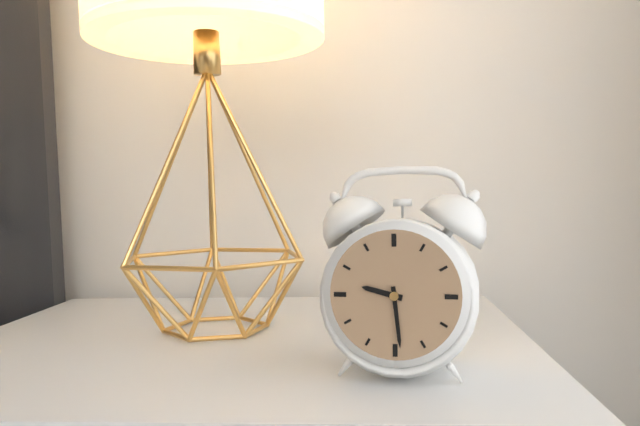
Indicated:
h=9 m=29
